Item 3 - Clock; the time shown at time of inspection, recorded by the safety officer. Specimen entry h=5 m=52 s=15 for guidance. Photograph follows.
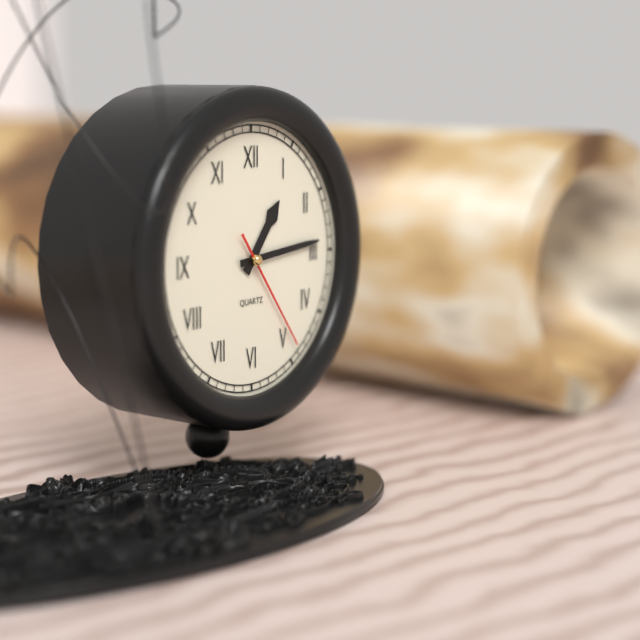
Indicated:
h=1 m=14 s=24
